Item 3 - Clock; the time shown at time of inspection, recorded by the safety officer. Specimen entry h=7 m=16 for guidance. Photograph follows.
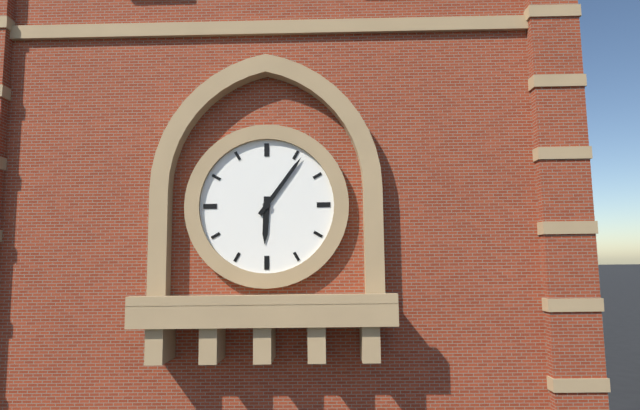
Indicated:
h=6 m=6
